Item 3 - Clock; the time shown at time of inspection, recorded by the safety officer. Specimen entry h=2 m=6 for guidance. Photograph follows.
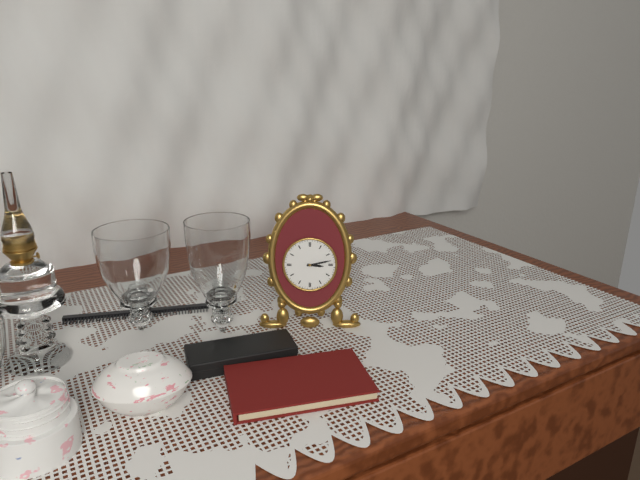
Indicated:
h=3 m=13
